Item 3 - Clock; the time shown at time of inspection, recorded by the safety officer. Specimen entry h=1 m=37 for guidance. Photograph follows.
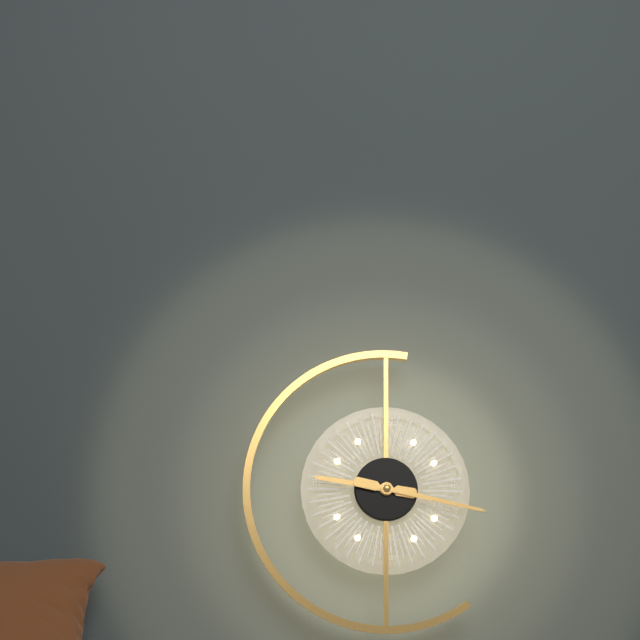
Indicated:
h=9 m=17
